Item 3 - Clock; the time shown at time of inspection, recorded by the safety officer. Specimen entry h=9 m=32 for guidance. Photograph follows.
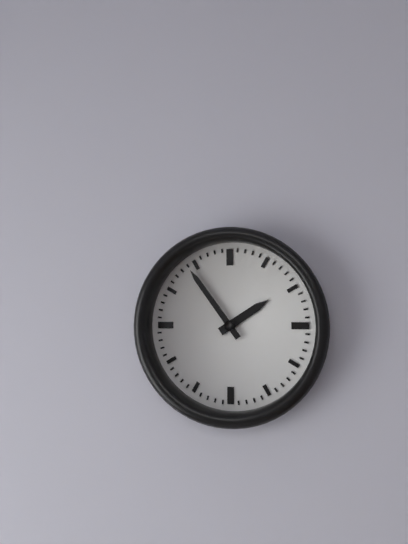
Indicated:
h=1 m=54
